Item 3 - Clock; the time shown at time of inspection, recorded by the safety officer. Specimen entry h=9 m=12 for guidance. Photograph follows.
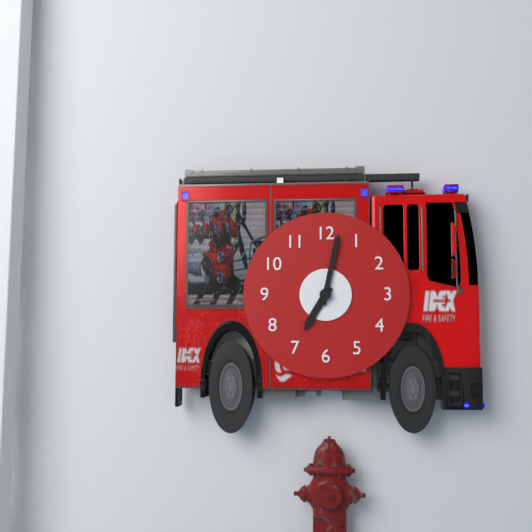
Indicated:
h=7 m=2
